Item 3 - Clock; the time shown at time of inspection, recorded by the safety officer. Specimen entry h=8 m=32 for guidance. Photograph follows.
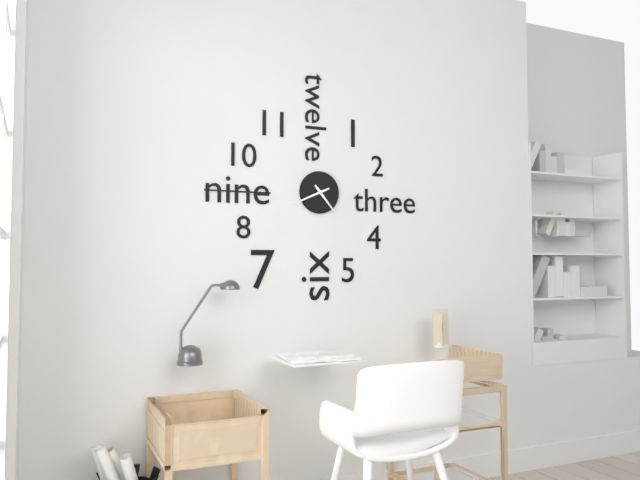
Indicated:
h=4 m=41
